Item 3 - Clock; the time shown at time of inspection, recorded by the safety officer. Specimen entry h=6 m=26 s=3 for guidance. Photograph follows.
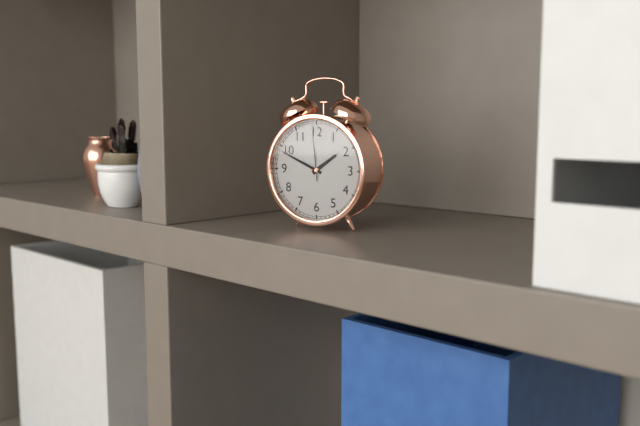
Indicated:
h=1 m=49 s=59
